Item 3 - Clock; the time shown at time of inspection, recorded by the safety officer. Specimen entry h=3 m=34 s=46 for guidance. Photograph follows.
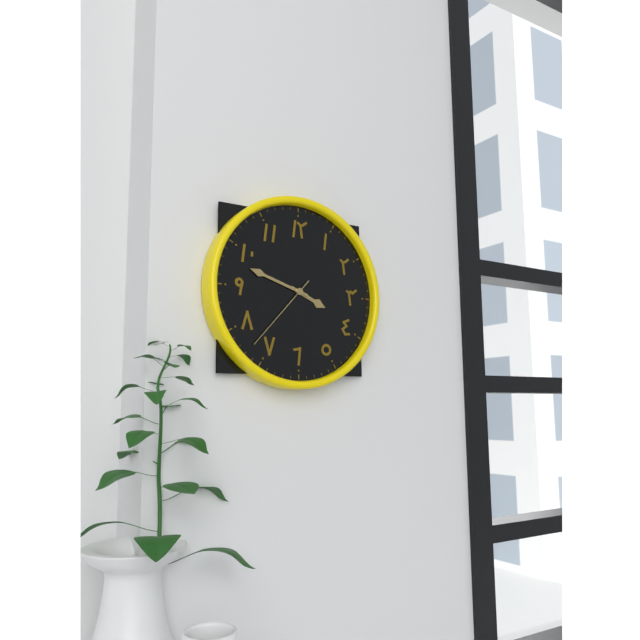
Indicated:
h=3 m=48 s=37
